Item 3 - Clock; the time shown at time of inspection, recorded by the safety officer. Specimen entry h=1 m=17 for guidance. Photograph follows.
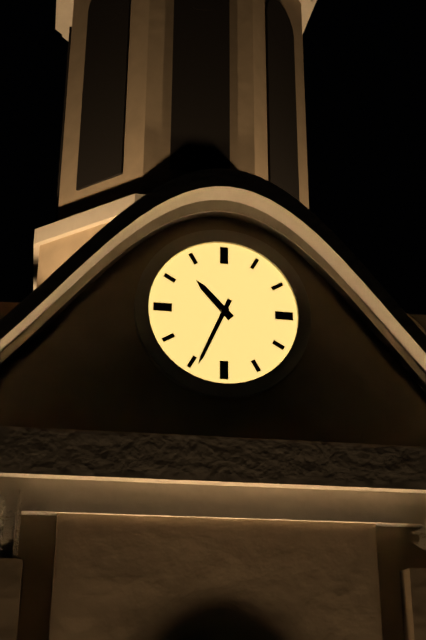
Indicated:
h=10 m=34
